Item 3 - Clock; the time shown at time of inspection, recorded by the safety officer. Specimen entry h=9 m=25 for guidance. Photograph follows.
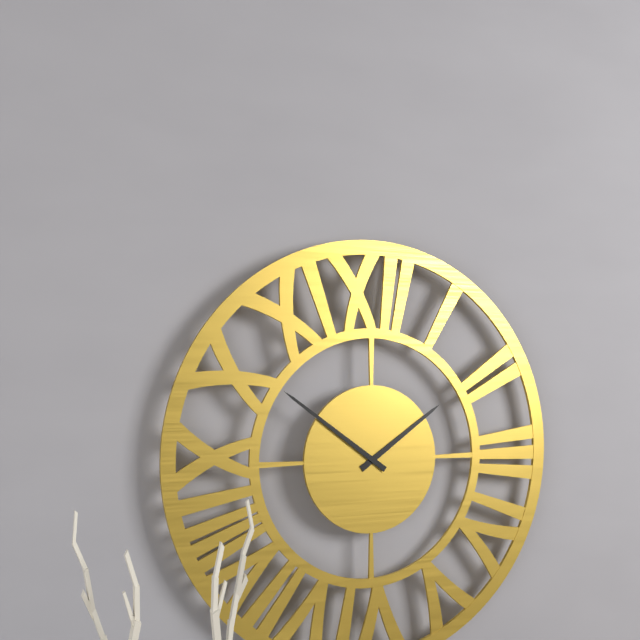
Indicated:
h=1 m=51
